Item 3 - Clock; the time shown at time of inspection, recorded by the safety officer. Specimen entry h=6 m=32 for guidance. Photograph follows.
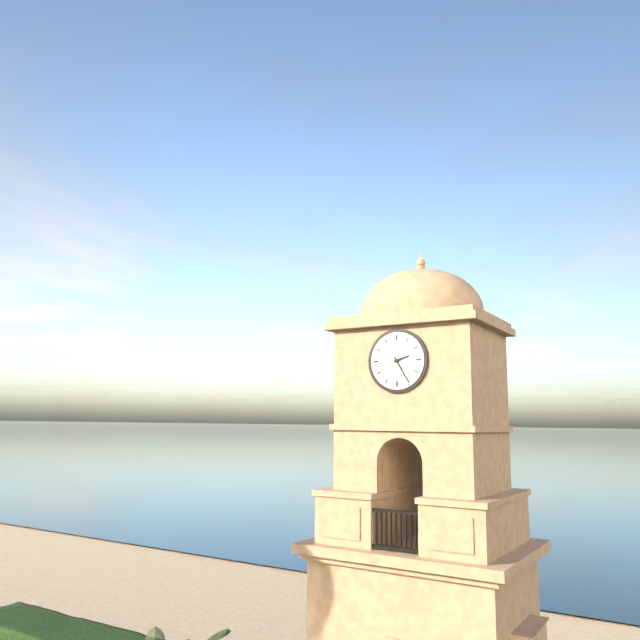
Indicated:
h=2 m=25
